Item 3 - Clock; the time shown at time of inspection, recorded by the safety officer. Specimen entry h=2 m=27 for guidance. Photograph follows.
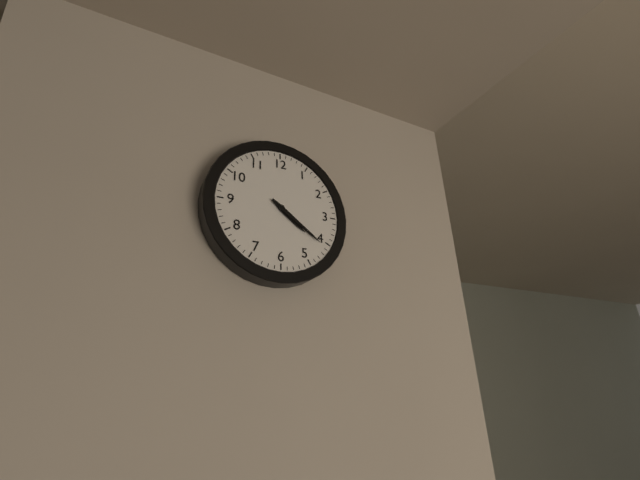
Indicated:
h=4 m=21
